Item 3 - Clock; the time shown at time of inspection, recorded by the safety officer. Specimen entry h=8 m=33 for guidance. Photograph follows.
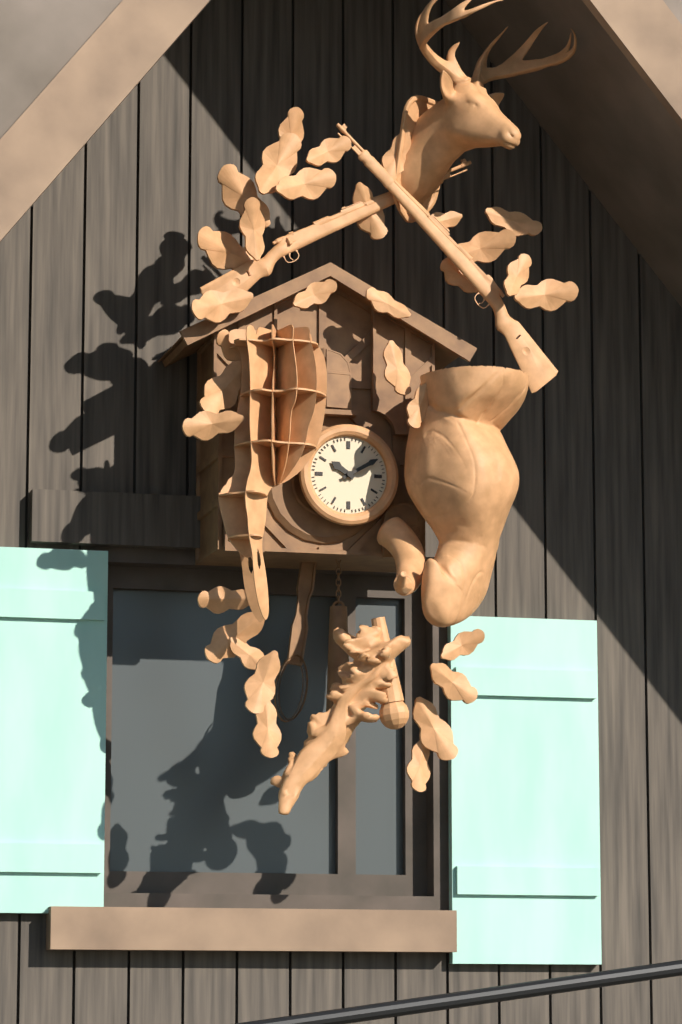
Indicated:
h=10 m=10
